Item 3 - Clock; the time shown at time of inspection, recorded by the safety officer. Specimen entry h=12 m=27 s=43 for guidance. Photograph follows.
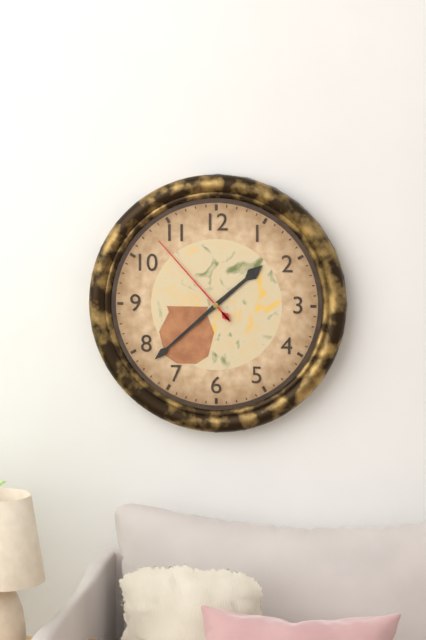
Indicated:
h=1 m=38 s=53
